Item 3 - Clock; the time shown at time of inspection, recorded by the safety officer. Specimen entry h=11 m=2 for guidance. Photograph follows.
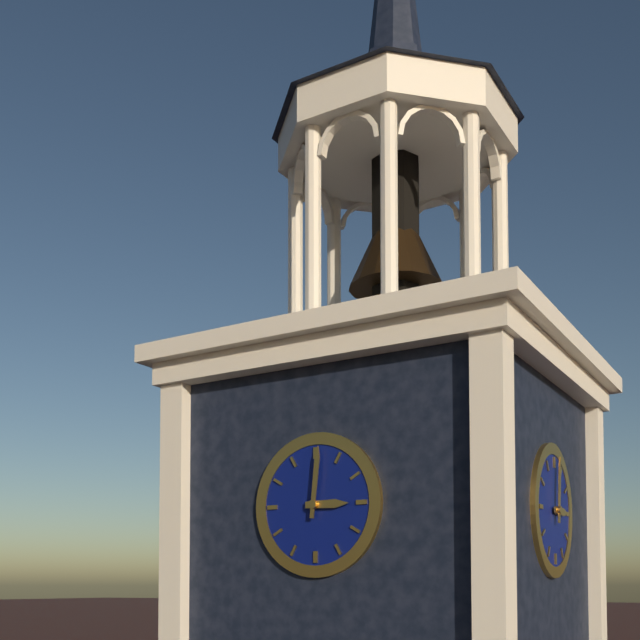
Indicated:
h=3 m=1
